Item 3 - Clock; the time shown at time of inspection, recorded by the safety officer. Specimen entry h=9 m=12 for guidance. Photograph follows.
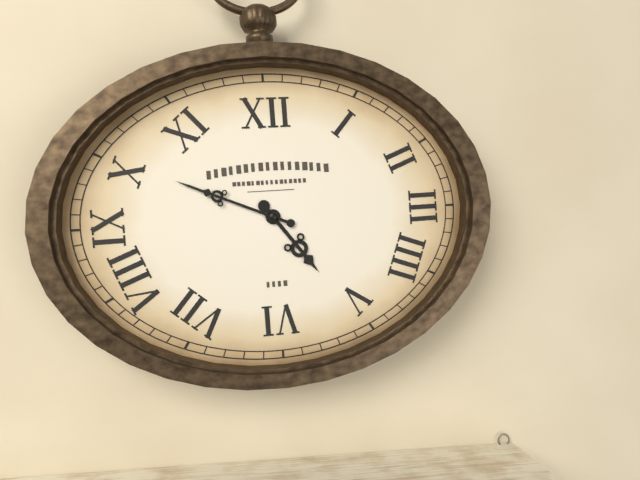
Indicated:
h=4 m=49
